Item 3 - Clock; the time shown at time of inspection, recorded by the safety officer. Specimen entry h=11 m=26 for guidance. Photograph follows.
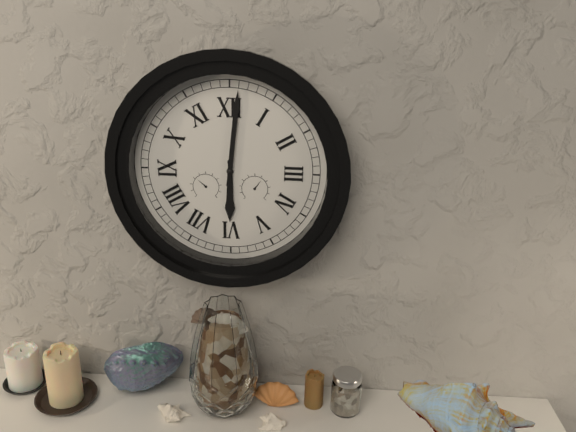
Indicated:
h=6 m=1
